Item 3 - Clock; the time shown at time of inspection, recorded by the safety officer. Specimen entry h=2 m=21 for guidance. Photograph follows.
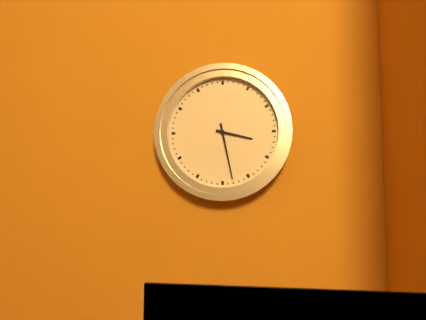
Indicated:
h=3 m=28
